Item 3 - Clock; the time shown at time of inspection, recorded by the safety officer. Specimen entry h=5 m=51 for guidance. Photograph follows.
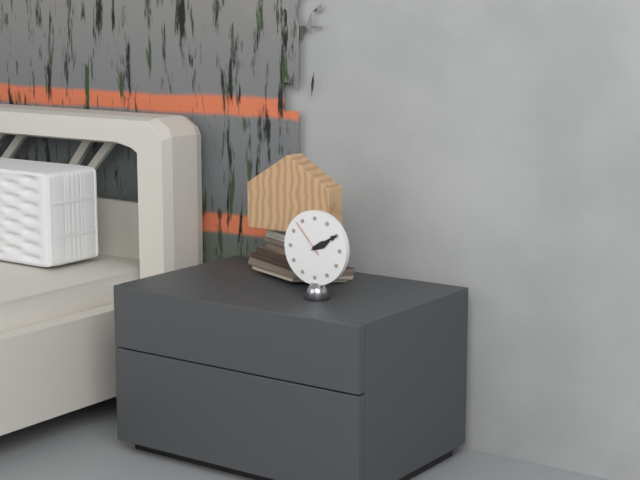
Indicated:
h=2 m=10
